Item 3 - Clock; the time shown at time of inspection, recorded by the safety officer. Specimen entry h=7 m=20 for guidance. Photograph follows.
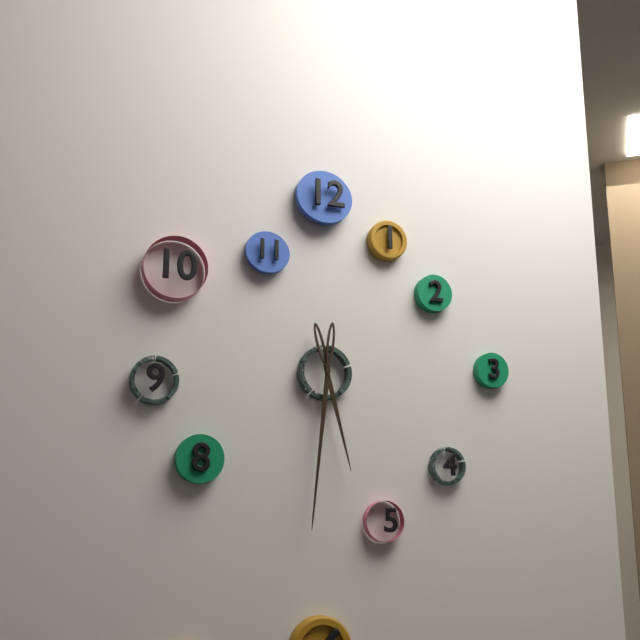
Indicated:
h=5 m=31
